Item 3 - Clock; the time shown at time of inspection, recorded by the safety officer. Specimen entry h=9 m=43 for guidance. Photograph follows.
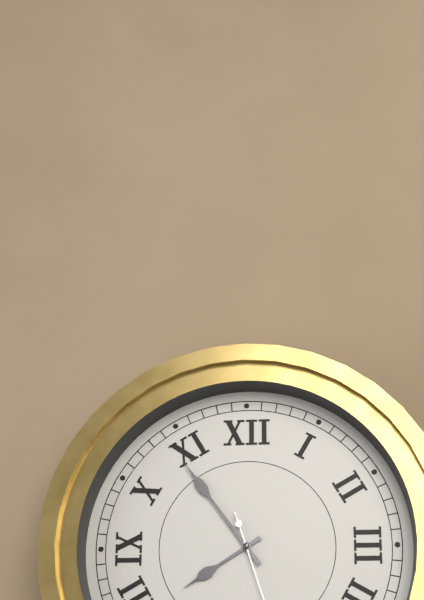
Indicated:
h=7 m=54
